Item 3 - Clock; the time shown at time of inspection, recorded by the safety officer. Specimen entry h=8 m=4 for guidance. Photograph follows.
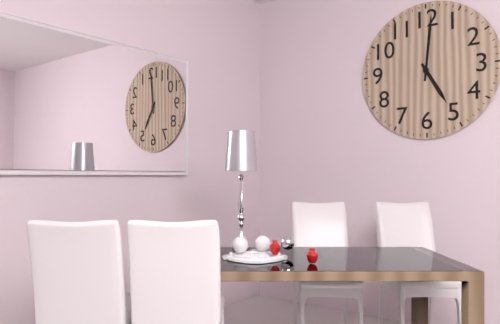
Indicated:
h=5 m=1
